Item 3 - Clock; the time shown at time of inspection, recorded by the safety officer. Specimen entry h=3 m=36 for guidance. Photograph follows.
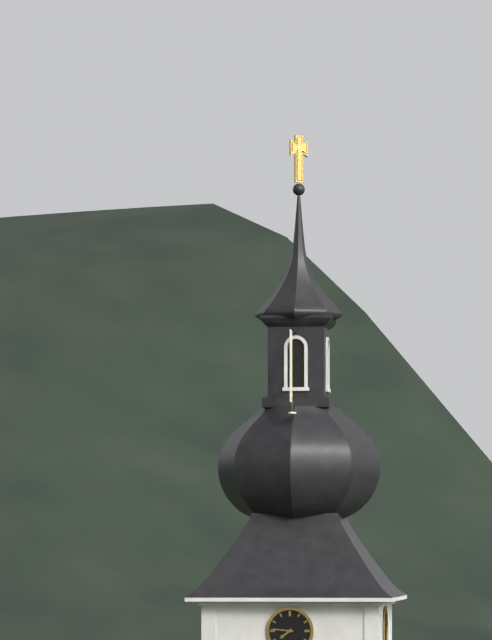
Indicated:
h=7 m=46
